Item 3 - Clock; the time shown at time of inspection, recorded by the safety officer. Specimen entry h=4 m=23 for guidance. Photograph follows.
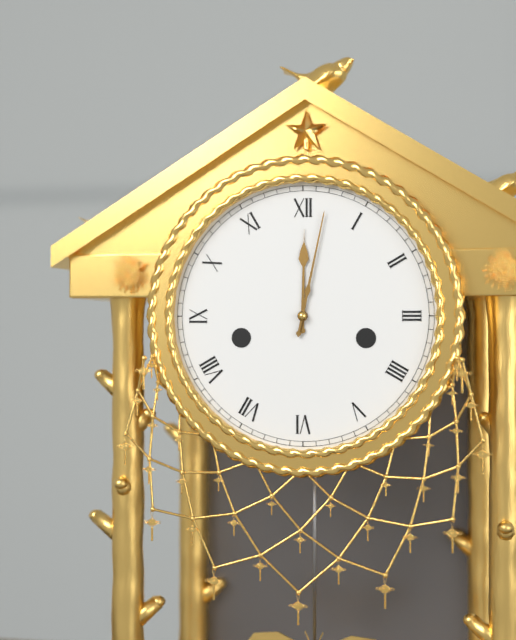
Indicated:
h=12 m=2
